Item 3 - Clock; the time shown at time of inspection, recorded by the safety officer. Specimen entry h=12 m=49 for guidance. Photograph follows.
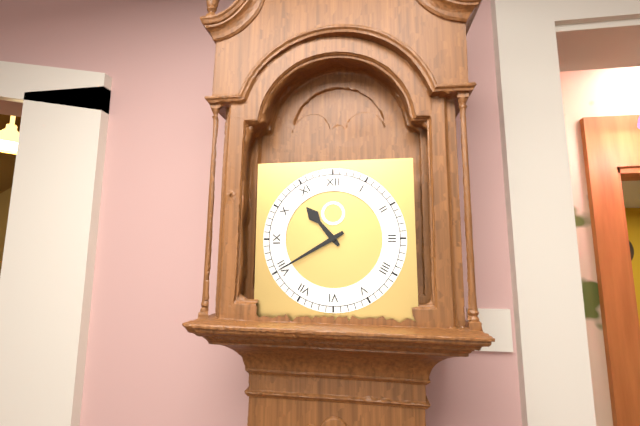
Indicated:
h=10 m=40
